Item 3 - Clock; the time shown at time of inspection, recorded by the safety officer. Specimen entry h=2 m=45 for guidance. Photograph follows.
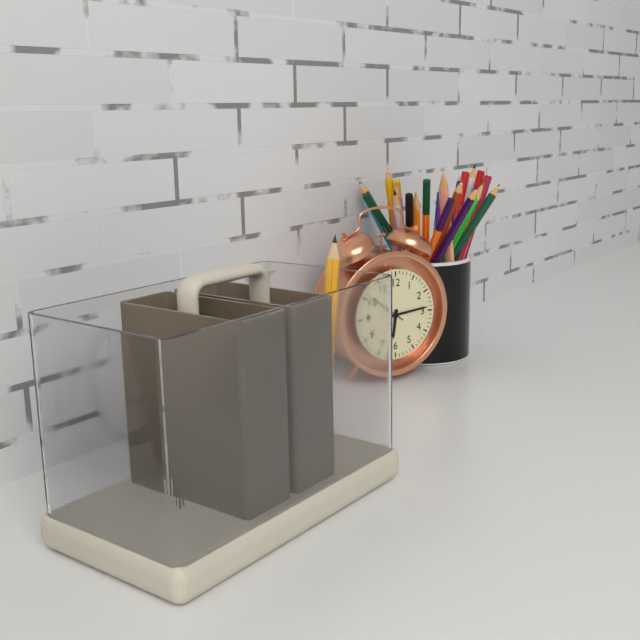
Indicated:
h=6 m=14
